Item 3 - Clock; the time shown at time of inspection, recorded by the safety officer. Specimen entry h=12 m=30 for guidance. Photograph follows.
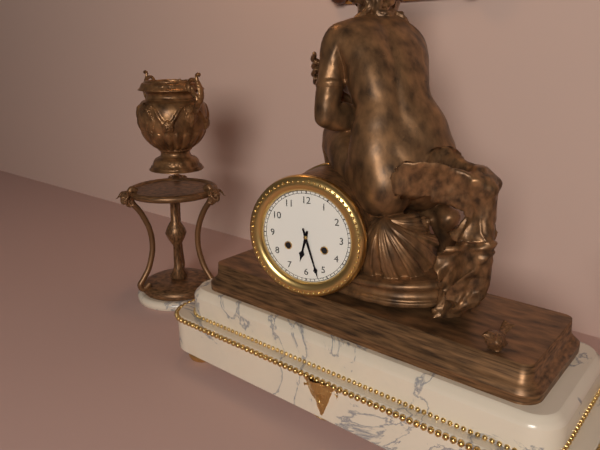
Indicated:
h=6 m=27
